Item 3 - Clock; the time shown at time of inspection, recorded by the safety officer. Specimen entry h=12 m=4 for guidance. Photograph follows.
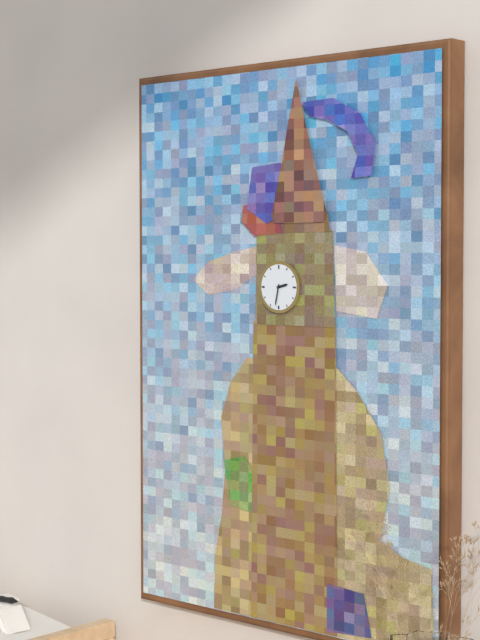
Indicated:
h=2 m=32
